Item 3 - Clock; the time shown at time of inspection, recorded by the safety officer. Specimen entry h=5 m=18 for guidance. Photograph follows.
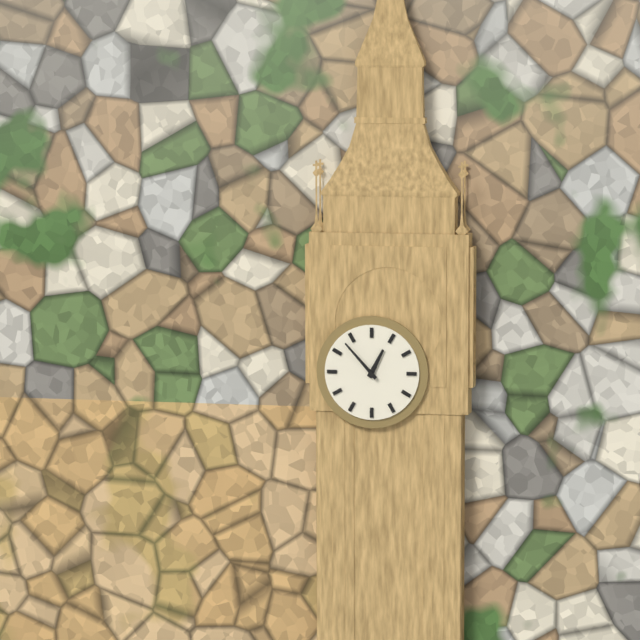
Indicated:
h=12 m=53
